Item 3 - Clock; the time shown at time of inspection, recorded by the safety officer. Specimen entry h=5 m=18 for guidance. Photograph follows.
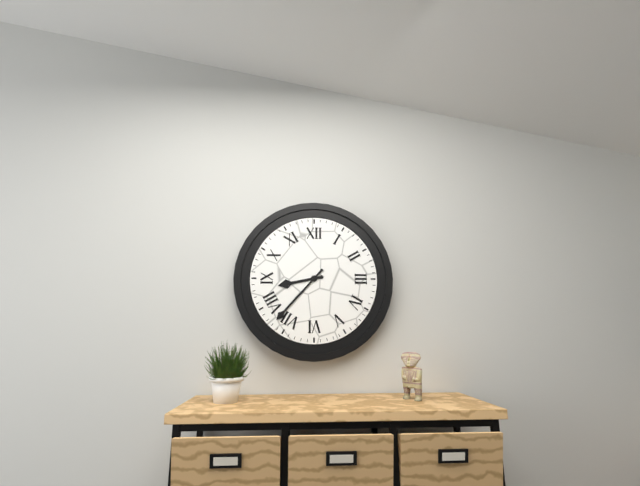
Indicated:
h=8 m=37
